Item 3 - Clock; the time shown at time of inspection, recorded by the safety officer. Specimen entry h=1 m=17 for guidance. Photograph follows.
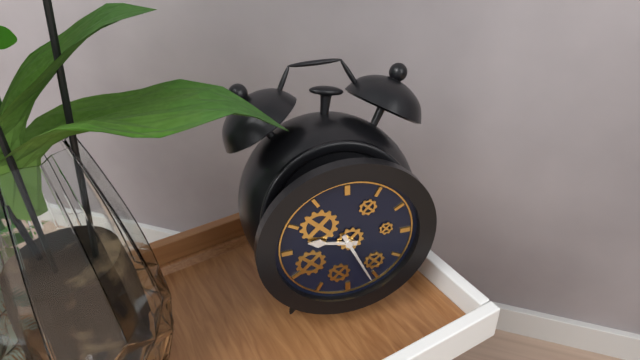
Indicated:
h=9 m=26
